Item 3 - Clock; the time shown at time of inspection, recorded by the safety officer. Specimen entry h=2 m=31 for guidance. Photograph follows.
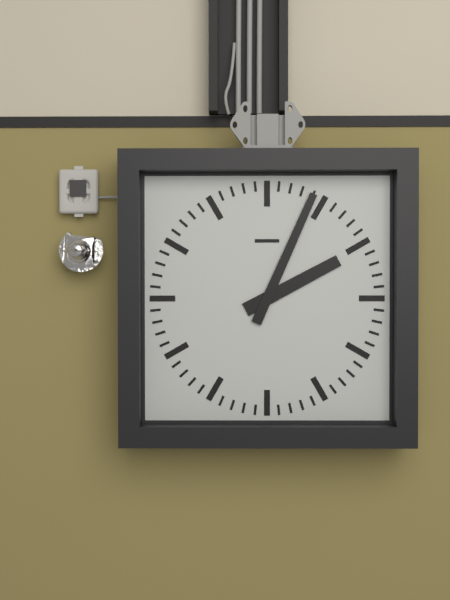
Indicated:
h=2 m=4
